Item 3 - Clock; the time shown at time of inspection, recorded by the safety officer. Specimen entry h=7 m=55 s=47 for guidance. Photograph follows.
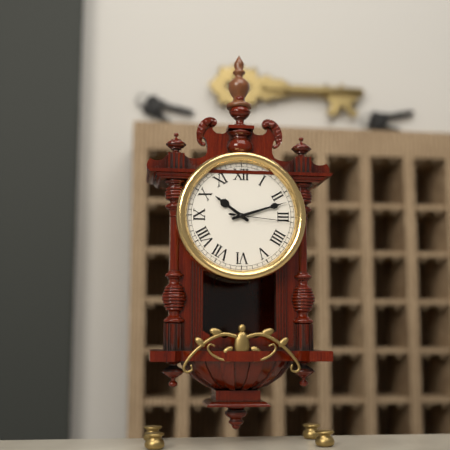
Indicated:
h=10 m=12 s=16
